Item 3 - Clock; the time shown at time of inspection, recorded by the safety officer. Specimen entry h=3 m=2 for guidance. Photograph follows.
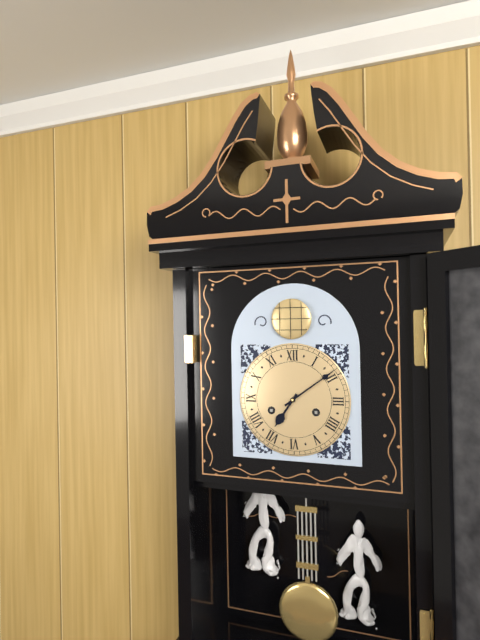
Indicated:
h=7 m=9
